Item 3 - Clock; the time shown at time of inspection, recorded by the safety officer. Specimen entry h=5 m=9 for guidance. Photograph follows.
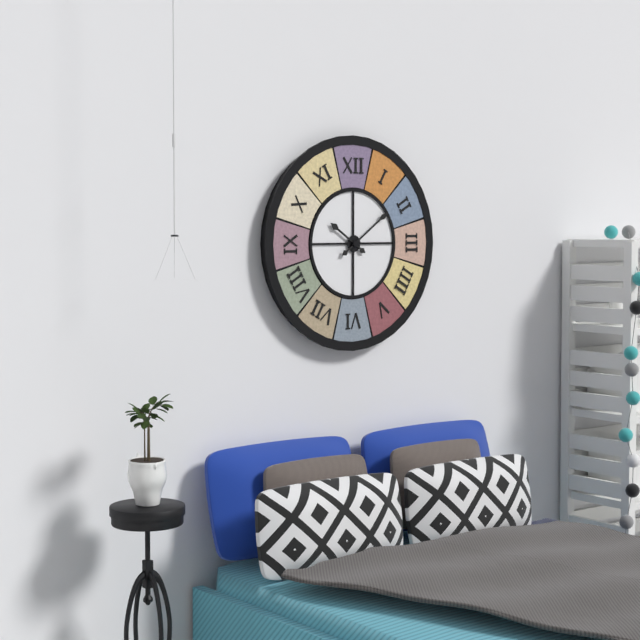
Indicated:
h=10 m=9
